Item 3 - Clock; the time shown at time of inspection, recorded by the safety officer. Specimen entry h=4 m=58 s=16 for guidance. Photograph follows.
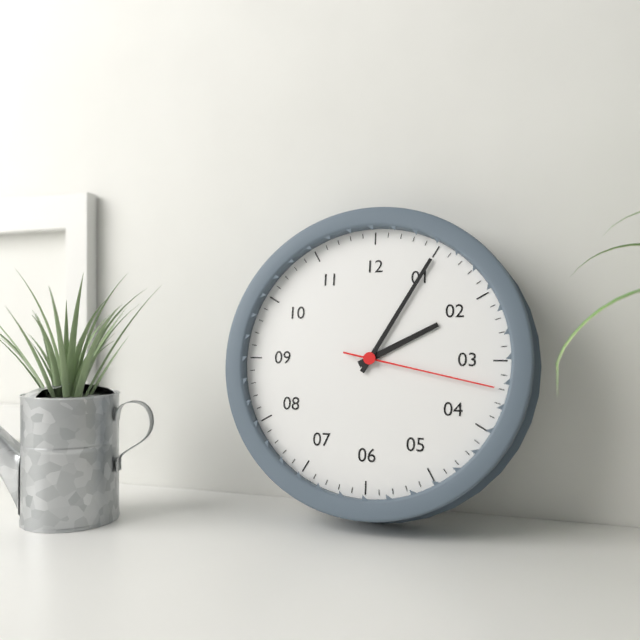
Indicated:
h=2 m=5 s=17
